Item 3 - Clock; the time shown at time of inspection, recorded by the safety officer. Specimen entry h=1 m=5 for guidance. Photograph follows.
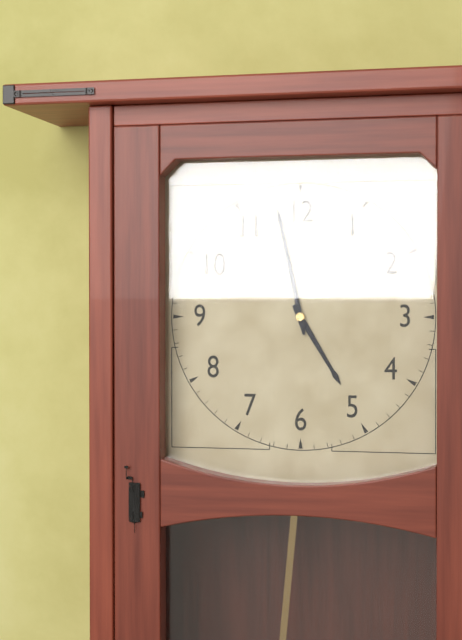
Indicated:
h=4 m=58
